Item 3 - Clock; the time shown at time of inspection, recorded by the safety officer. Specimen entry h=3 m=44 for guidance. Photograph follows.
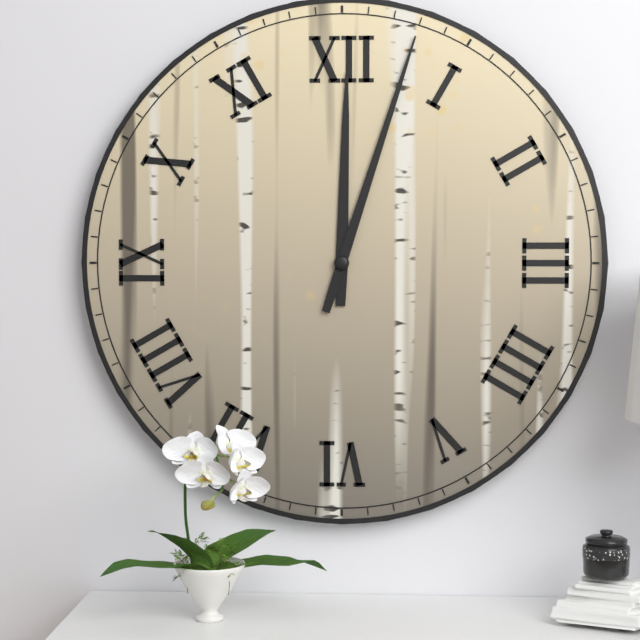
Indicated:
h=12 m=3
